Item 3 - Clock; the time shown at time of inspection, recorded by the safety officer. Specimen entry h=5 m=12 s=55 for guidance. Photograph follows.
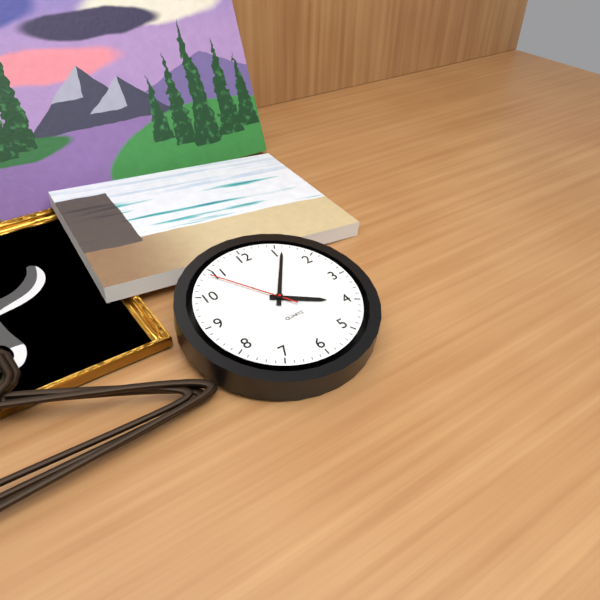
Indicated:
h=4 m=6 s=54
